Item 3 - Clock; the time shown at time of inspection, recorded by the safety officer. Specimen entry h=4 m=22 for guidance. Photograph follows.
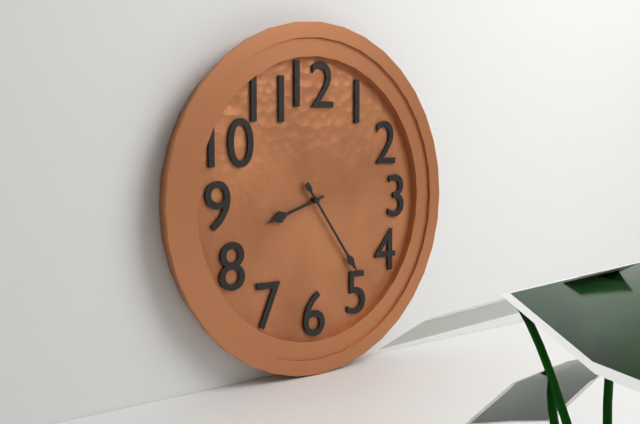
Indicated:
h=8 m=24
